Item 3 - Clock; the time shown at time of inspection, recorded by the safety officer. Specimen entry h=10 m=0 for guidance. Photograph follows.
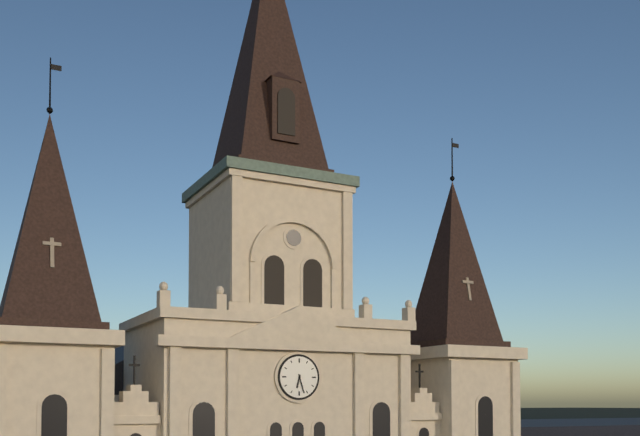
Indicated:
h=6 m=27
